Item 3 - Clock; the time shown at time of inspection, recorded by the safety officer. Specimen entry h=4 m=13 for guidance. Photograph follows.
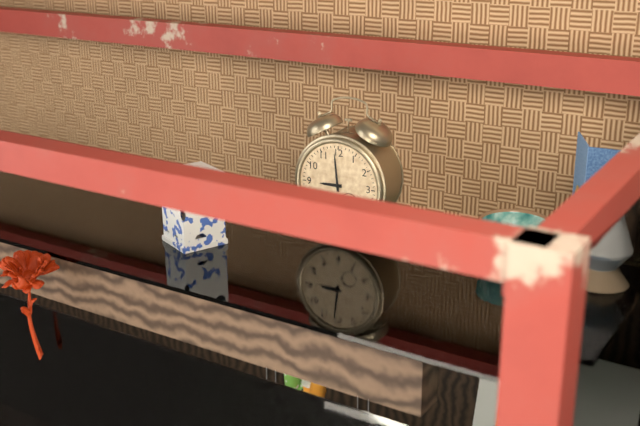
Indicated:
h=8 m=59
